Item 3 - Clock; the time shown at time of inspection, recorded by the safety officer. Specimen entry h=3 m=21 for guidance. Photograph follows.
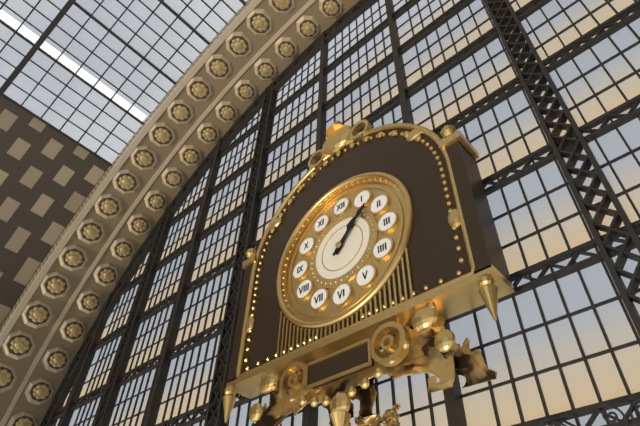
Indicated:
h=1 m=7
